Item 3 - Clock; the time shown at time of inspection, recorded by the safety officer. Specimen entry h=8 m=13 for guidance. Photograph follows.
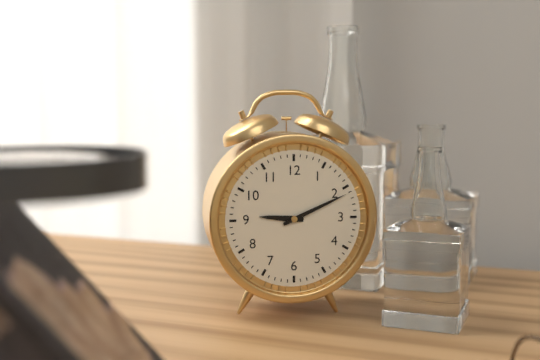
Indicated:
h=9 m=11
